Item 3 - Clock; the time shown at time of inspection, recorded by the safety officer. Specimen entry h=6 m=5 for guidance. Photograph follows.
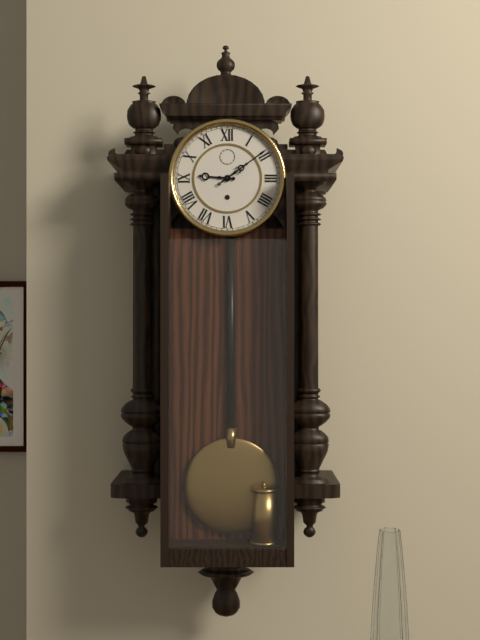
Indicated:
h=9 m=9
